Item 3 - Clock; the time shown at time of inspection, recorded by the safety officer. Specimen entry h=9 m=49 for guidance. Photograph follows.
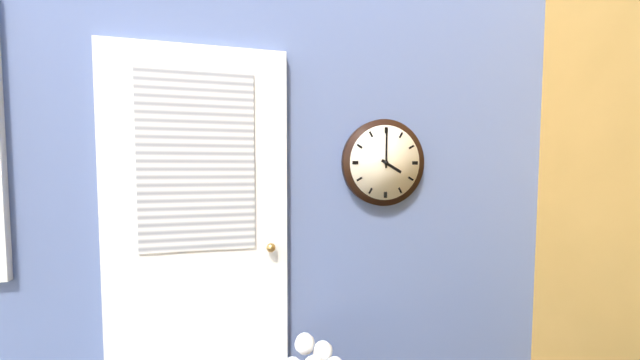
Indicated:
h=4 m=0
